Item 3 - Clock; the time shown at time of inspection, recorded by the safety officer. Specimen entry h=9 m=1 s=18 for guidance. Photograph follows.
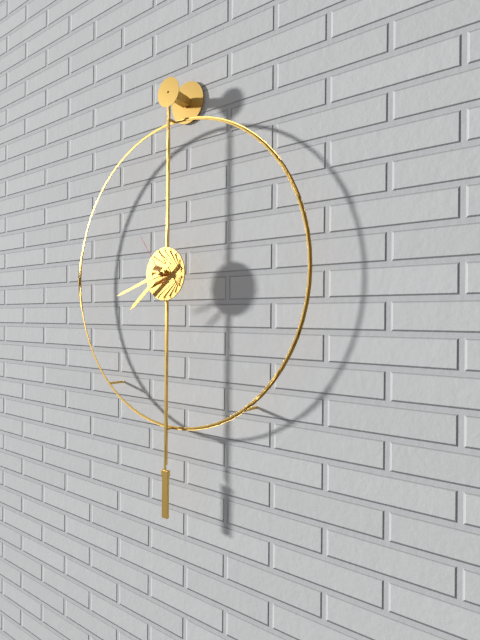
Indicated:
h=7 m=42 s=54
